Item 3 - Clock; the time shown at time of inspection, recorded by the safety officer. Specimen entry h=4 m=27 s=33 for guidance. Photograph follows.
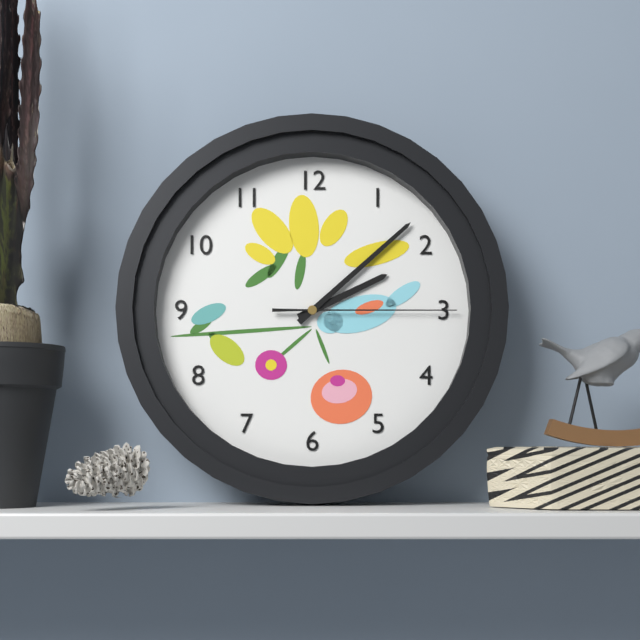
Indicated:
h=2 m=8 s=15
